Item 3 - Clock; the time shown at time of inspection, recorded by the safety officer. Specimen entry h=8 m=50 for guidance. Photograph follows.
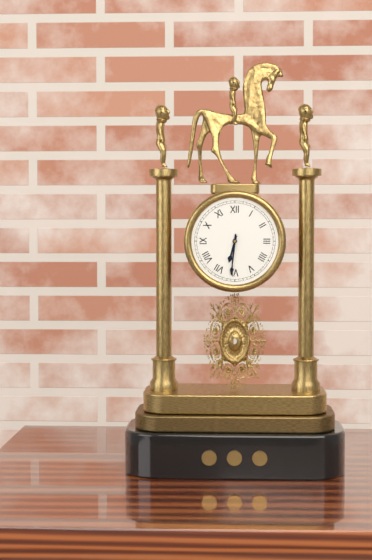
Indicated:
h=6 m=31
